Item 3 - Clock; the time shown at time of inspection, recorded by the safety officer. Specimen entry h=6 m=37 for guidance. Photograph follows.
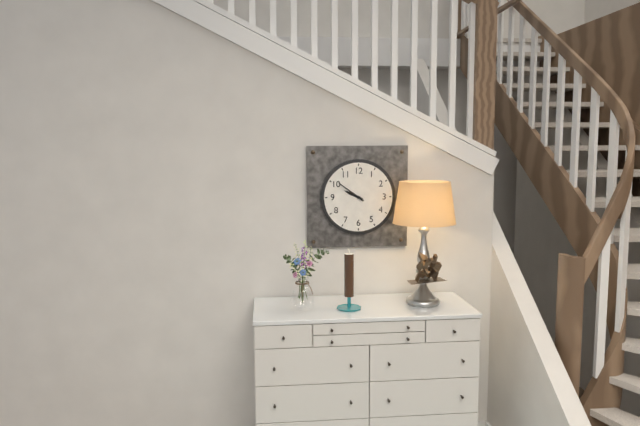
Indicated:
h=9 m=51
